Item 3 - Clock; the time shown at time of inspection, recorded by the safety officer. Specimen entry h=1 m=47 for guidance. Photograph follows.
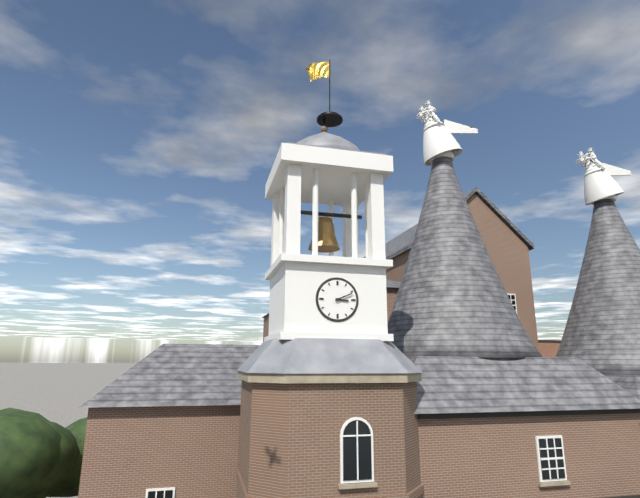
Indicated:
h=3 m=11
